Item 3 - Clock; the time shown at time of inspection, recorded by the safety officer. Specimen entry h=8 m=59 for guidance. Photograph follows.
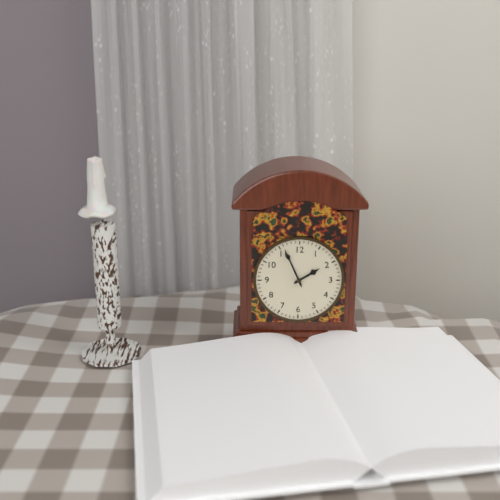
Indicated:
h=1 m=56
